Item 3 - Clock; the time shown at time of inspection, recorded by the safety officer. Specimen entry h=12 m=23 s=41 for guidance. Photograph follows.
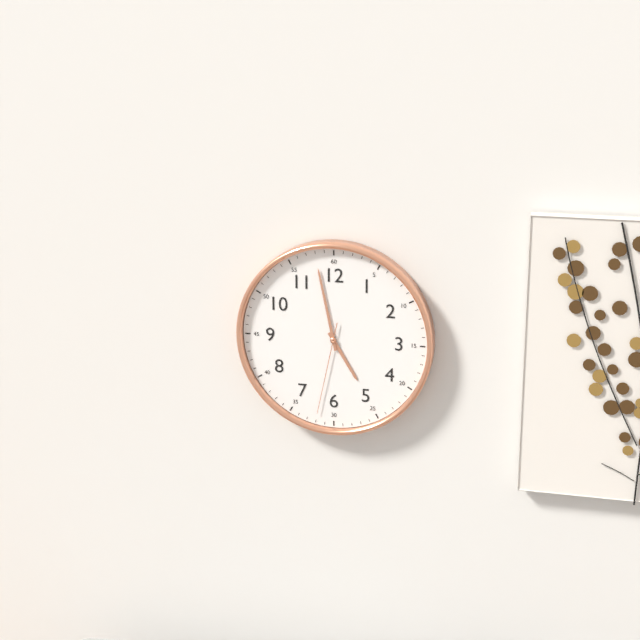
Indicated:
h=4 m=58 s=32
